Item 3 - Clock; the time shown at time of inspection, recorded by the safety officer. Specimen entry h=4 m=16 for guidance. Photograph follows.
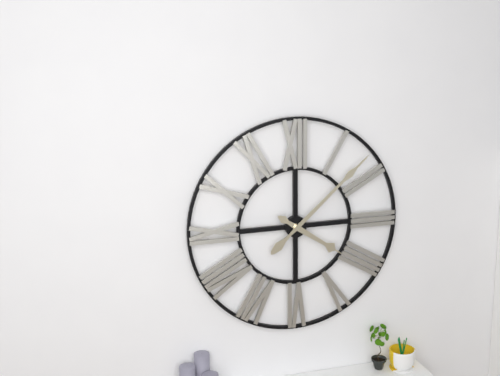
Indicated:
h=4 m=8
